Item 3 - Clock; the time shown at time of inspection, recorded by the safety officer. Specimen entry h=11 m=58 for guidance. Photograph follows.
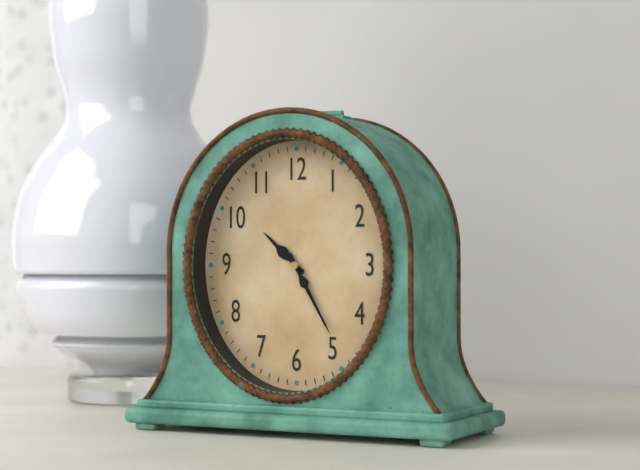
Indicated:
h=10 m=25
